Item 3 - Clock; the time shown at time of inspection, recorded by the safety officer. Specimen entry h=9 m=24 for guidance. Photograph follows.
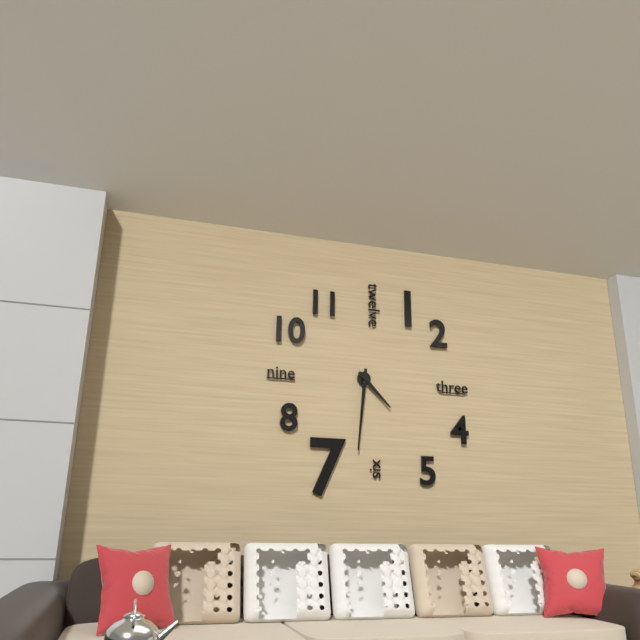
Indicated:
h=4 m=31
